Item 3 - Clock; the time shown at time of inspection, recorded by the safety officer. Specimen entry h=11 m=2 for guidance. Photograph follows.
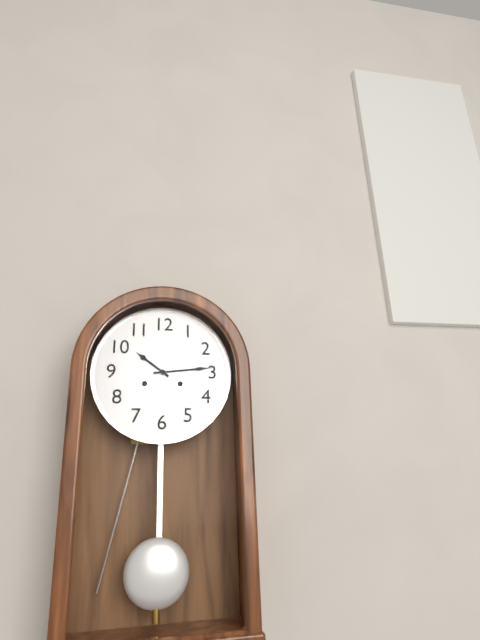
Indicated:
h=10 m=14
